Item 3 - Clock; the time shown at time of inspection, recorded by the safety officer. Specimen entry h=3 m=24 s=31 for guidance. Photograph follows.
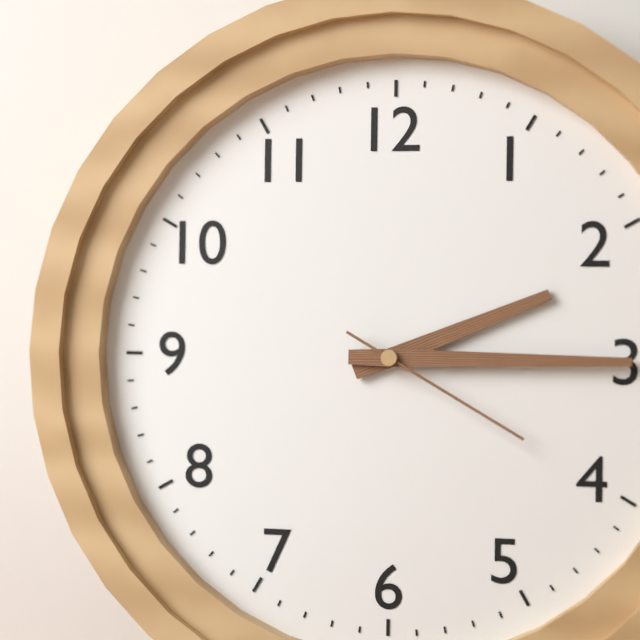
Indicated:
h=2 m=15 s=20
